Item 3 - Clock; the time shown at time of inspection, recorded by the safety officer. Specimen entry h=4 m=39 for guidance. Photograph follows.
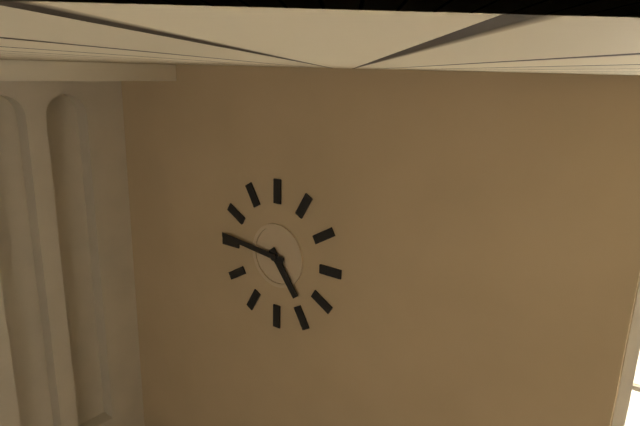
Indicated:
h=4 m=46
